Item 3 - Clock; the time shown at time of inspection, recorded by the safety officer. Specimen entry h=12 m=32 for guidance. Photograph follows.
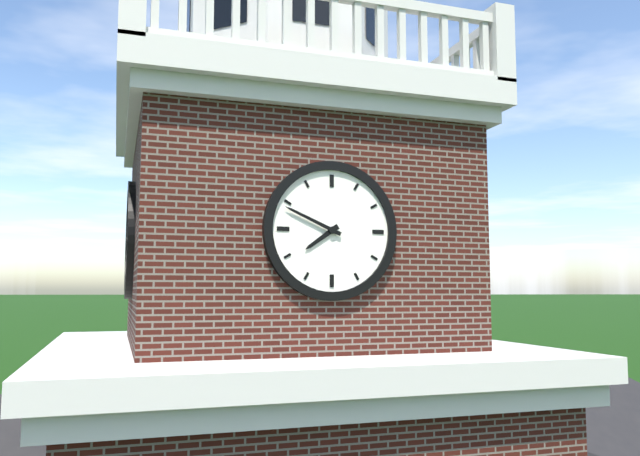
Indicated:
h=7 m=49
